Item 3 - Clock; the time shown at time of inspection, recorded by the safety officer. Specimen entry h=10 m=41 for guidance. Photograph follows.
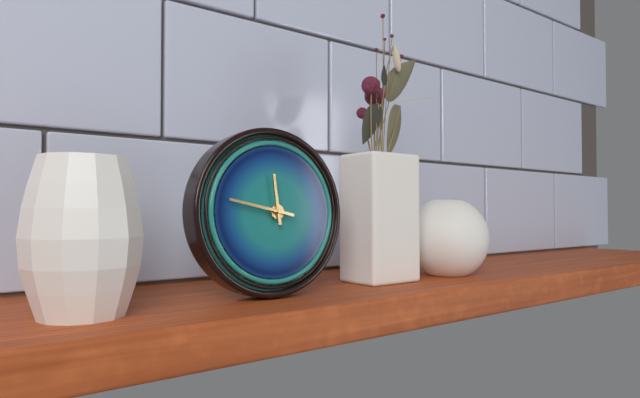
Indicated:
h=11 m=47
